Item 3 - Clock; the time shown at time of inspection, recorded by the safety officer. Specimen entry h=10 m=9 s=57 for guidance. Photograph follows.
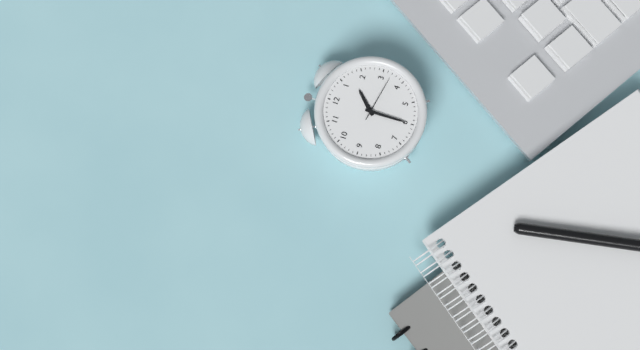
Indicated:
h=1 m=30 s=17
